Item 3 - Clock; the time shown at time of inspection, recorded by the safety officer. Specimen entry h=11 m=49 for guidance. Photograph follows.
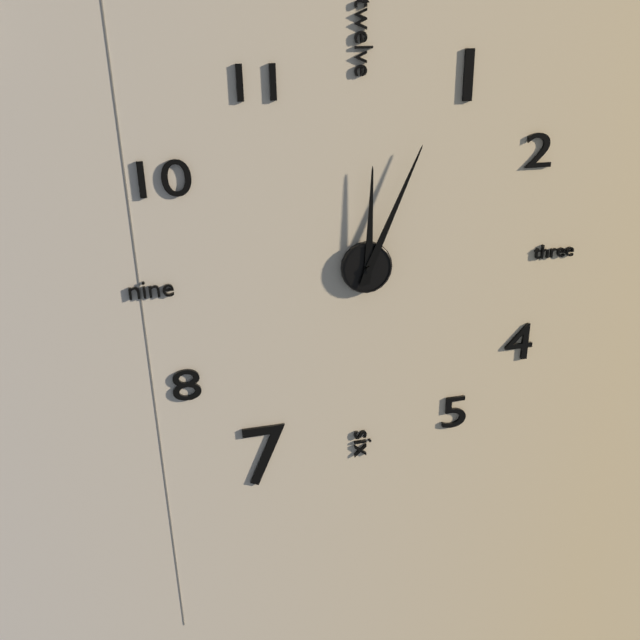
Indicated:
h=12 m=4
